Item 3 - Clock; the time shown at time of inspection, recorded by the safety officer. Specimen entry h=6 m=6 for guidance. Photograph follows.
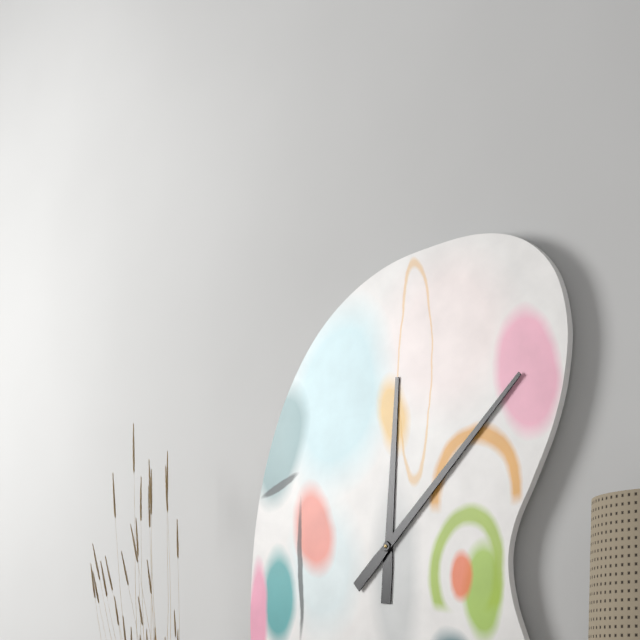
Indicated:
h=12 m=8
